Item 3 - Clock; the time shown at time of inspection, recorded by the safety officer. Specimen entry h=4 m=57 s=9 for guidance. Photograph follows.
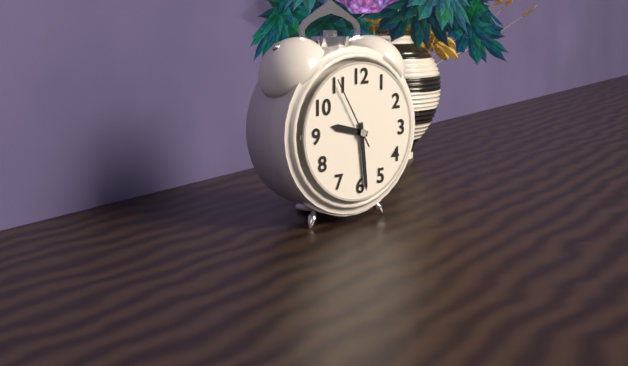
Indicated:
h=9 m=29 s=55
